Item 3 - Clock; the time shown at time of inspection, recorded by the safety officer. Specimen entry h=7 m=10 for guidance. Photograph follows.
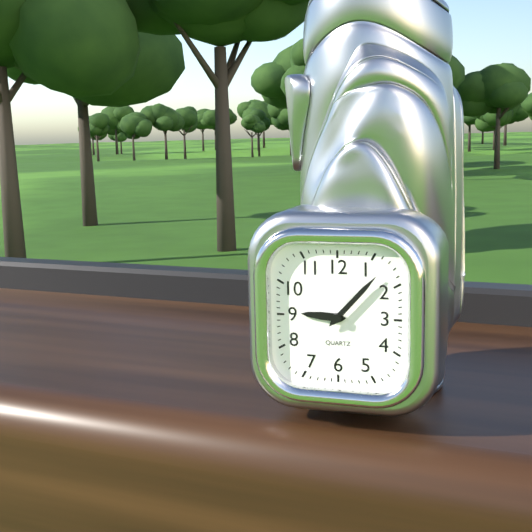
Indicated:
h=9 m=7
